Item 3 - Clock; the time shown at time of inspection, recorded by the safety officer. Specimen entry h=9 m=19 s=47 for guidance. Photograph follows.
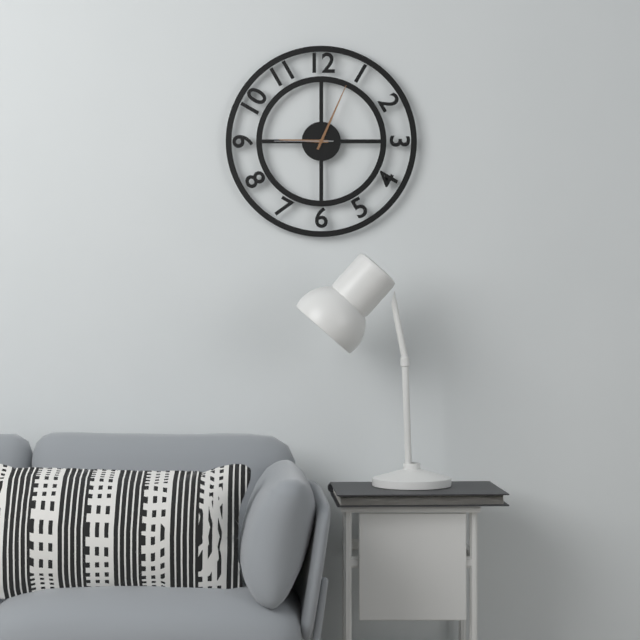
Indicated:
h=9 m=4 s=45
